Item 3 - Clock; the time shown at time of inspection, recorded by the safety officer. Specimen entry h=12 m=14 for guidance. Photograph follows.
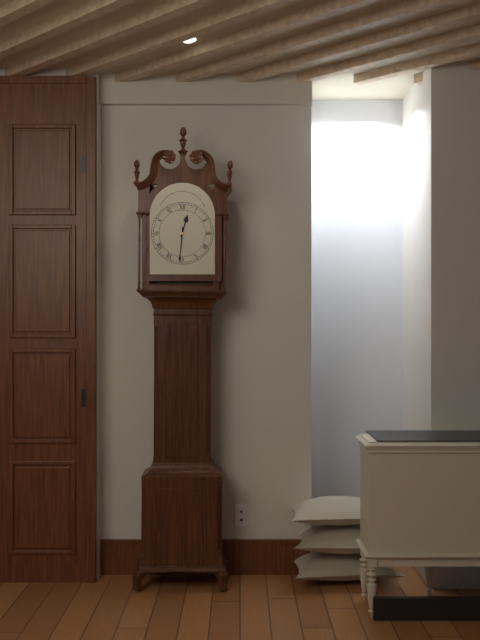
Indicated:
h=12 m=31
